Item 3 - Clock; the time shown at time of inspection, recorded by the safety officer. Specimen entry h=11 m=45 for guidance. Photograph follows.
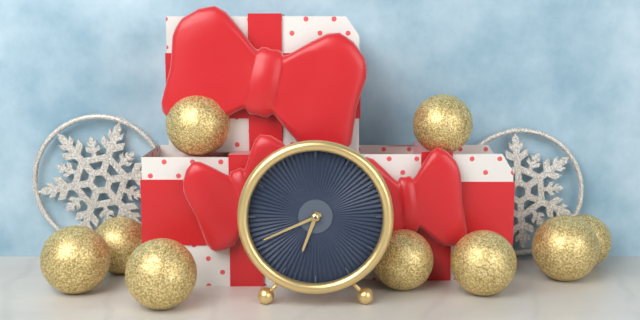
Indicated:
h=6 m=41
